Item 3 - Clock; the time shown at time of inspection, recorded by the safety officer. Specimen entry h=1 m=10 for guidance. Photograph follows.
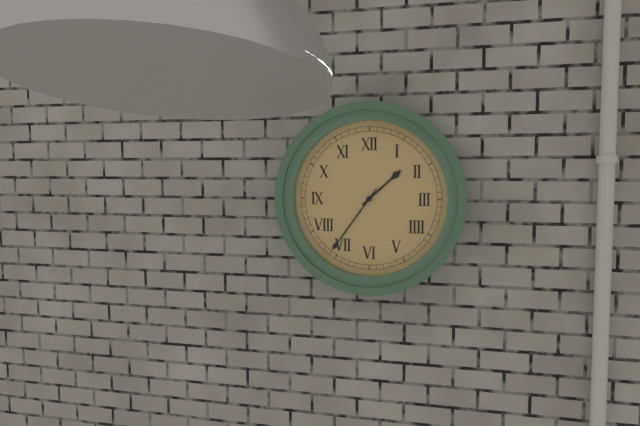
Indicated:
h=1 m=36
